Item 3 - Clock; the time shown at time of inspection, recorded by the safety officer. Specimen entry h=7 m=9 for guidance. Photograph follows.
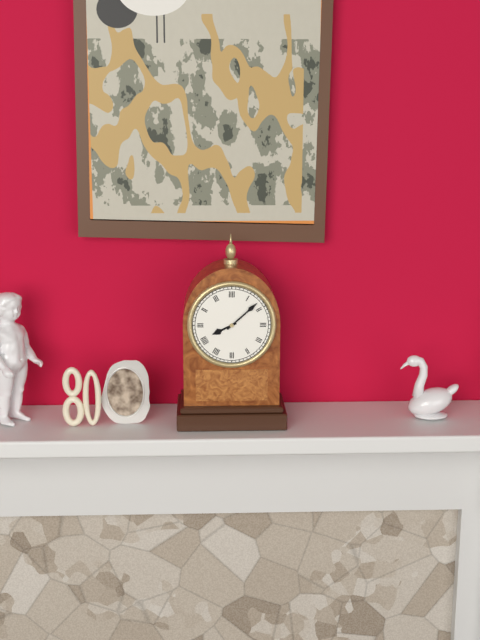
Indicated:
h=8 m=8
